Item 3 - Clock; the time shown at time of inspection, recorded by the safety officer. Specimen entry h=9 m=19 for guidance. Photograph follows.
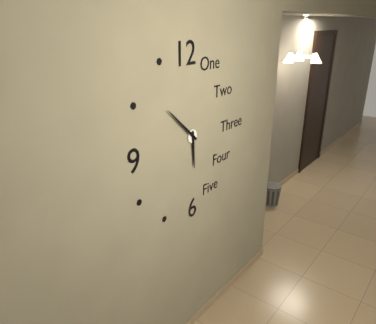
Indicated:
h=5 m=52
